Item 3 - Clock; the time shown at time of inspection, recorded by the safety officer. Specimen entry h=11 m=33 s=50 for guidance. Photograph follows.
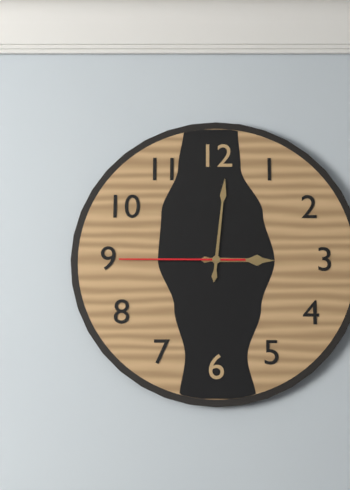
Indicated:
h=3 m=1 s=45
